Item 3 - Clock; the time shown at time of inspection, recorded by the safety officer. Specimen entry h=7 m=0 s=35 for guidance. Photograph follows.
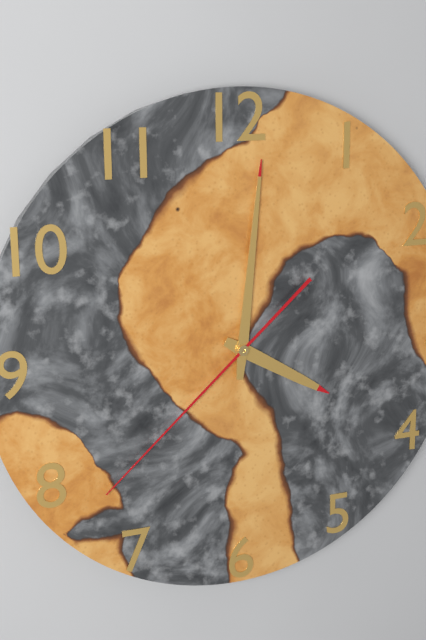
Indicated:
h=4 m=1 s=38
